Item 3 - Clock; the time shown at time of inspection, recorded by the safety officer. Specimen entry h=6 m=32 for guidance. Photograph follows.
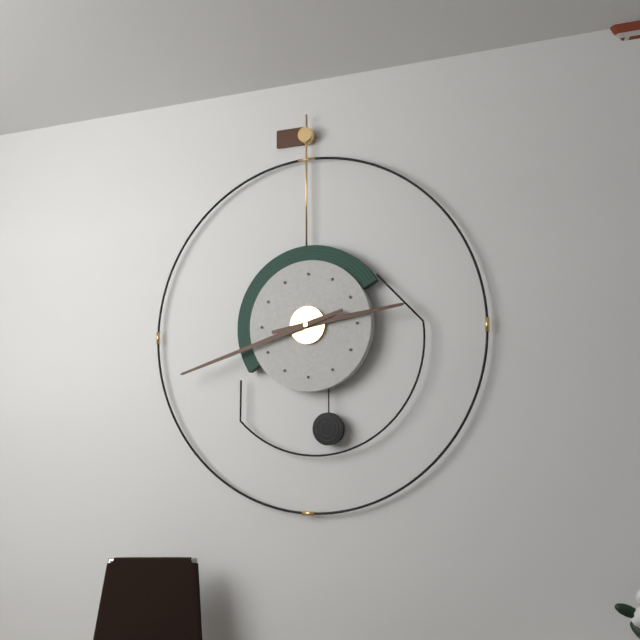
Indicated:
h=2 m=42
